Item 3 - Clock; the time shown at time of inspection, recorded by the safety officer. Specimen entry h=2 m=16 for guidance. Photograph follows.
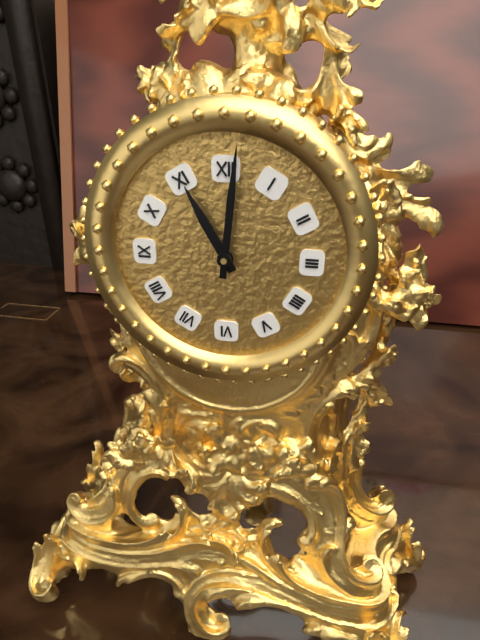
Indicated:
h=11 m=1
